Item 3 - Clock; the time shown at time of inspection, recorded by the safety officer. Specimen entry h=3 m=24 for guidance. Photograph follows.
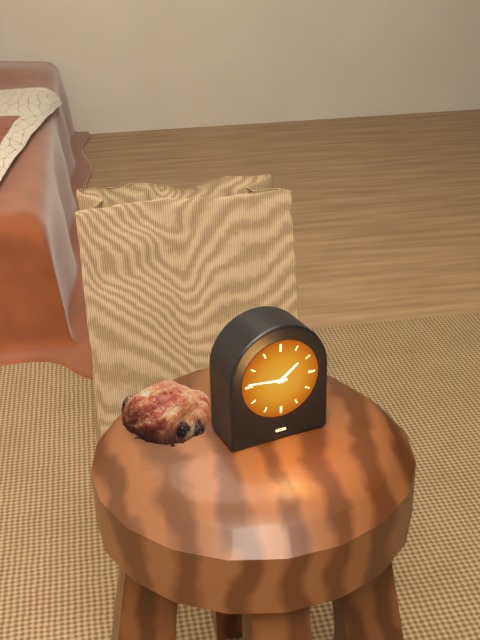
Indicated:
h=1 m=46
